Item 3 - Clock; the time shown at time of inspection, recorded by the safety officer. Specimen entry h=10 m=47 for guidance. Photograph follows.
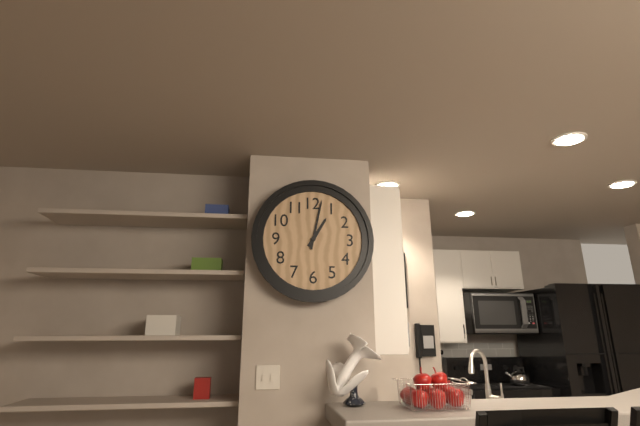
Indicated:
h=1 m=2
